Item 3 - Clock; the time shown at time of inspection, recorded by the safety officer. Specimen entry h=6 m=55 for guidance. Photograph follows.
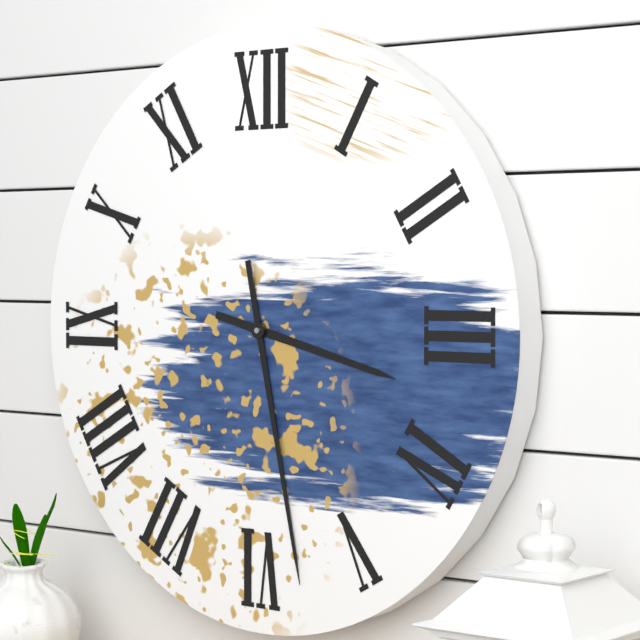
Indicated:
h=3 m=28
